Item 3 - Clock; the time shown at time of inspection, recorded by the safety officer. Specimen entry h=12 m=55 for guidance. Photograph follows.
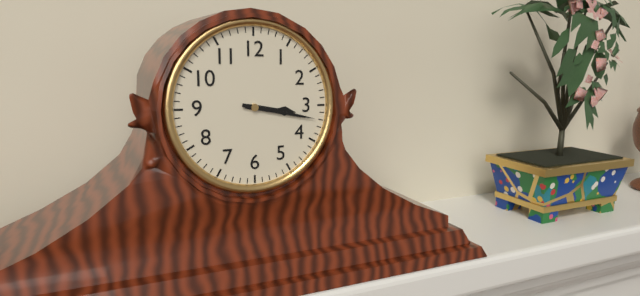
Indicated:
h=3 m=17
